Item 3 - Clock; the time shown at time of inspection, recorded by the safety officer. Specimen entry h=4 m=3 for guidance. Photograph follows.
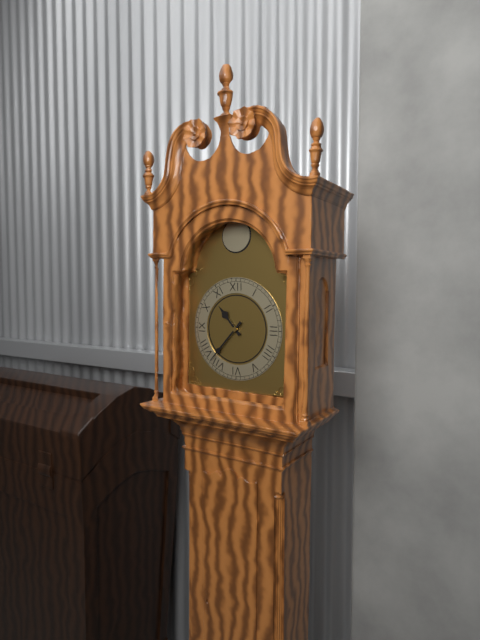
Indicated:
h=10 m=37
